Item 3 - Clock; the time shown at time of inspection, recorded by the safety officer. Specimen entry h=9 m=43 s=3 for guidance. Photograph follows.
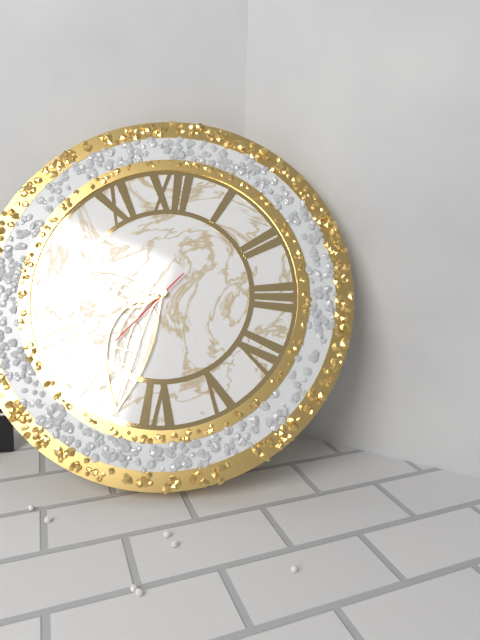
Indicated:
h=9 m=33 s=37
